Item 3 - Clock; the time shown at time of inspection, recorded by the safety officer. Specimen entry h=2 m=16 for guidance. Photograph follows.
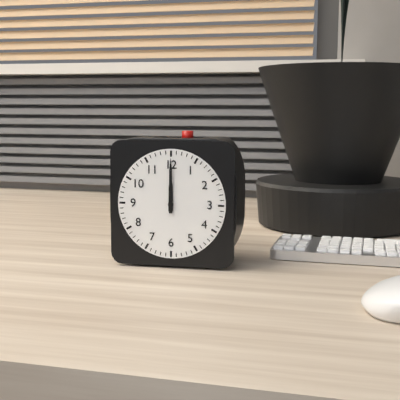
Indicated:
h=12 m=0
